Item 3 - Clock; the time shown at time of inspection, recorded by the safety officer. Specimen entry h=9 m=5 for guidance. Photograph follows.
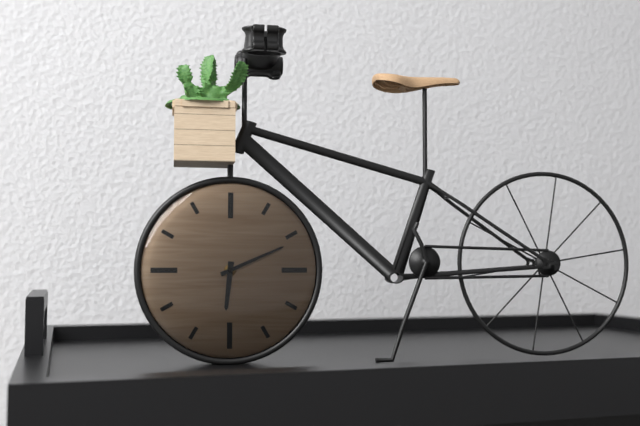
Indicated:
h=6 m=11
